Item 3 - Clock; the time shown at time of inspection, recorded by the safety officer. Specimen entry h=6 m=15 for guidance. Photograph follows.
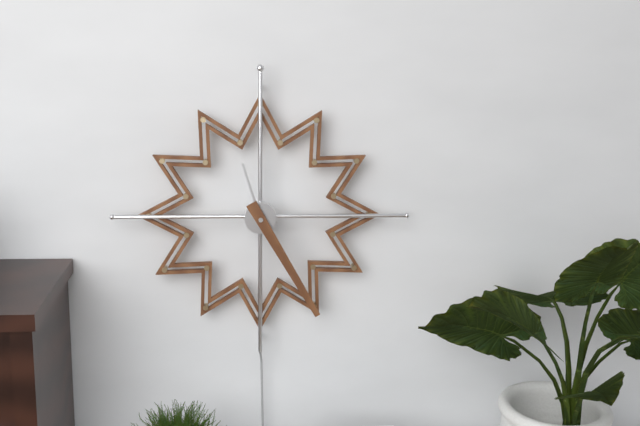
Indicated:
h=11 m=25
